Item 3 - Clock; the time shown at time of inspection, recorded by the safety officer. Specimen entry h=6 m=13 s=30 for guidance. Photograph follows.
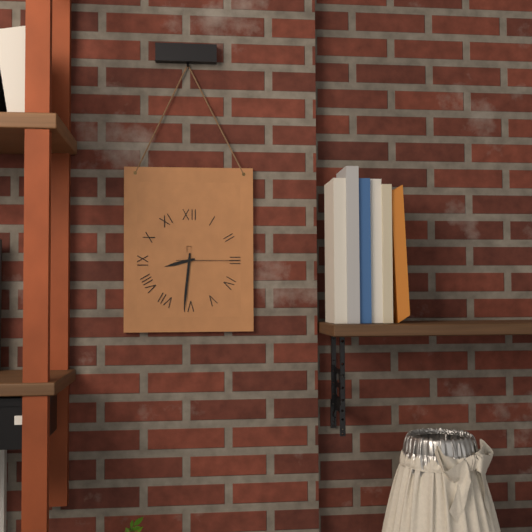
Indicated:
h=8 m=31 s=15
